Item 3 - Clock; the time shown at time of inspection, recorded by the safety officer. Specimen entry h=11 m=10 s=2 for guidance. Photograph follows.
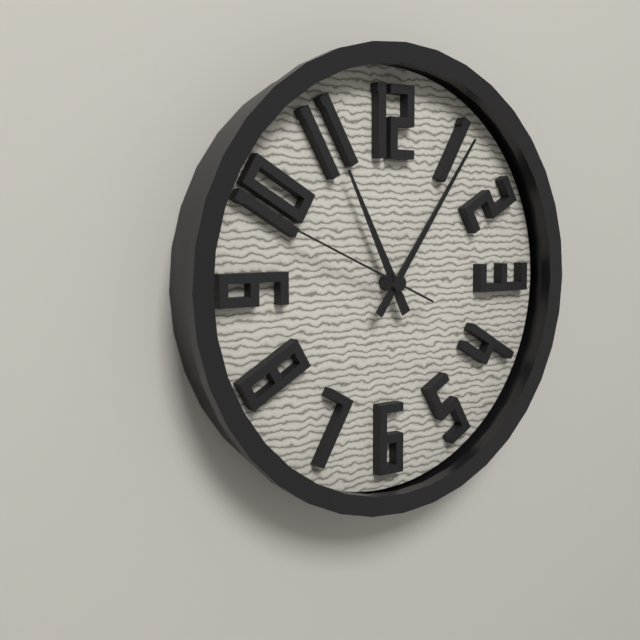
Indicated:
h=11 m=6 s=49
